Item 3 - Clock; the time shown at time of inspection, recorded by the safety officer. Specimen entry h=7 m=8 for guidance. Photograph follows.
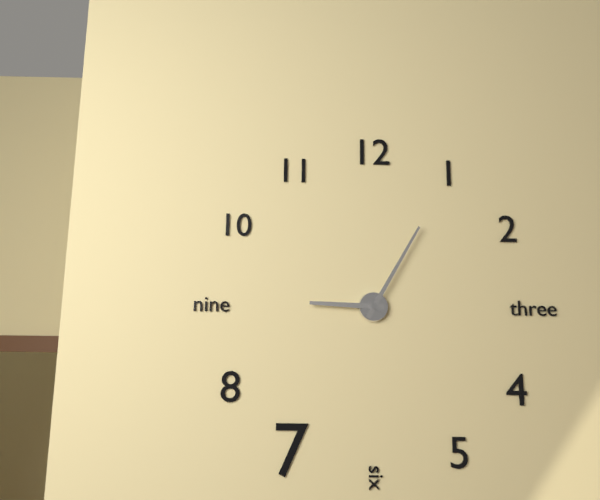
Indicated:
h=9 m=5
